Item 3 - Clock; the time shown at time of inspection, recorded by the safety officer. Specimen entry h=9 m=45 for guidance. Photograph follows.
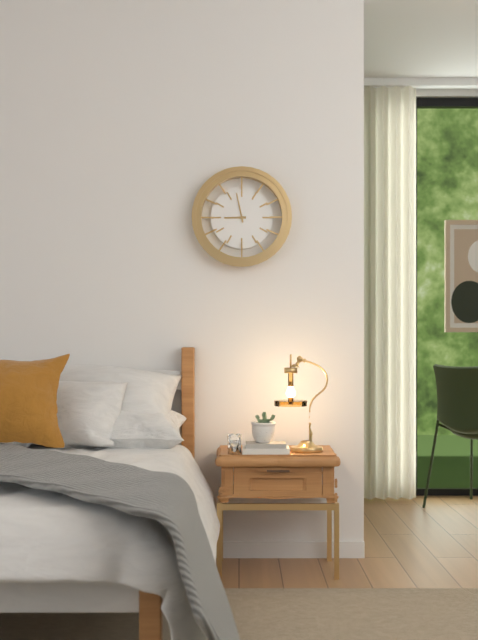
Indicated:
h=8 m=58
